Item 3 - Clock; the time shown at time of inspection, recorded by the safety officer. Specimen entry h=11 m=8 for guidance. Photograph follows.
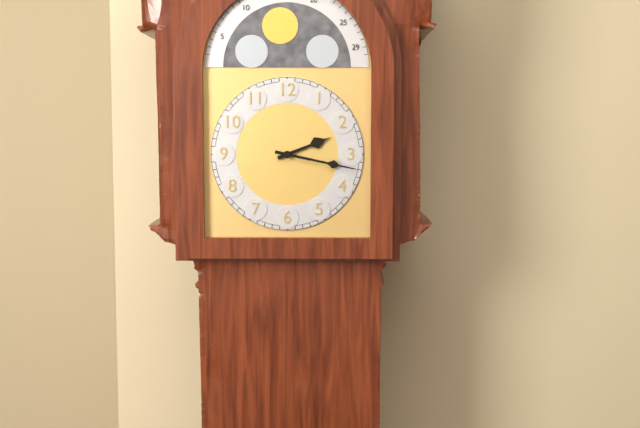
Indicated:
h=2 m=17
